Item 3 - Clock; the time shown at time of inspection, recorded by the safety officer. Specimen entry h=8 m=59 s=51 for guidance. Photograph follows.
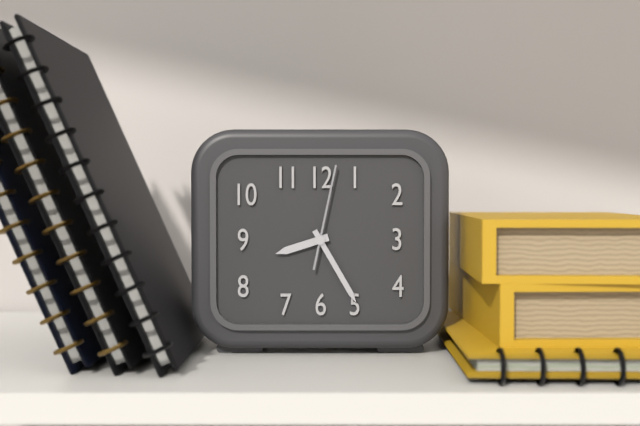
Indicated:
h=8 m=25 s=2
